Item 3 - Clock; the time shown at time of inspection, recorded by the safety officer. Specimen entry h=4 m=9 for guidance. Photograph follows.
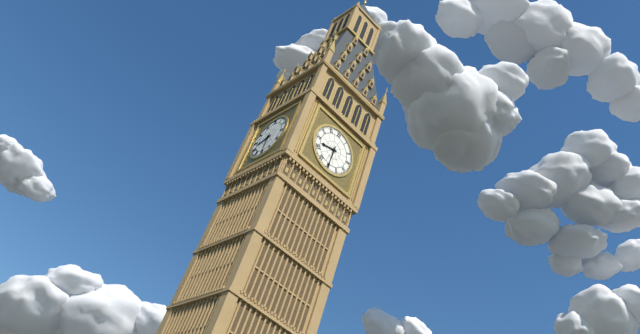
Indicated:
h=8 m=30
